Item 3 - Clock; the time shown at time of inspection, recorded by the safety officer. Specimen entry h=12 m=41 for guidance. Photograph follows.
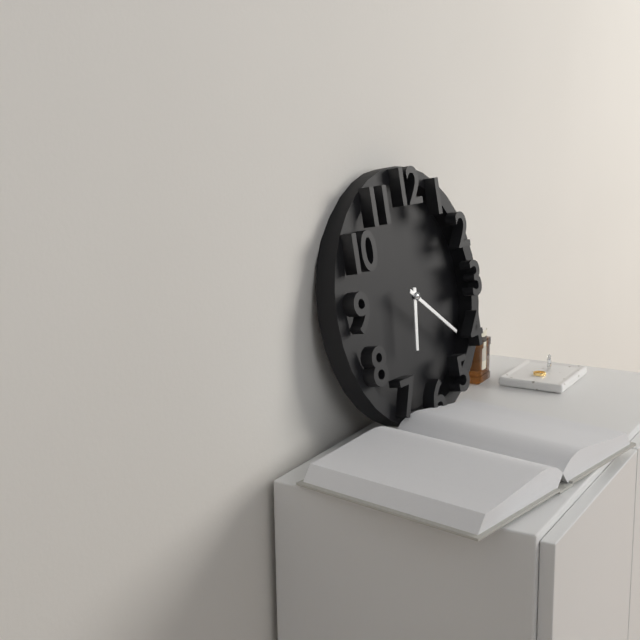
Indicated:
h=6 m=21
